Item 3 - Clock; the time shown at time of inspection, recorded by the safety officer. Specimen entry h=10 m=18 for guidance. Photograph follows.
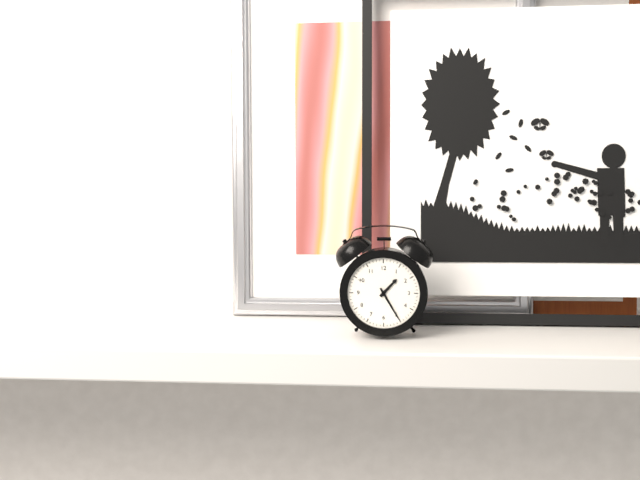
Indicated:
h=1 m=25
